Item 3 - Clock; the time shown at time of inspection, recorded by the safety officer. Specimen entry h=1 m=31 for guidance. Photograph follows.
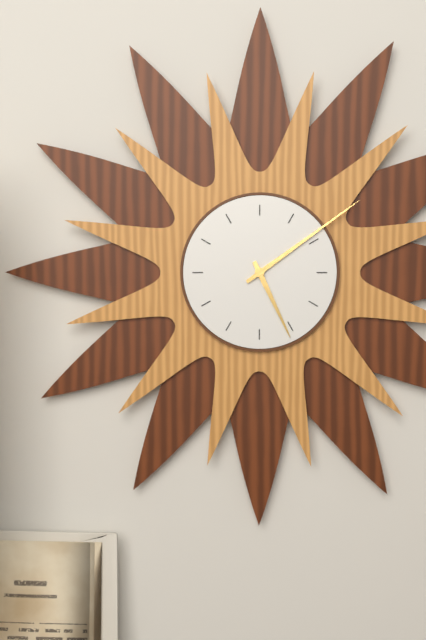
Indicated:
h=5 m=9
